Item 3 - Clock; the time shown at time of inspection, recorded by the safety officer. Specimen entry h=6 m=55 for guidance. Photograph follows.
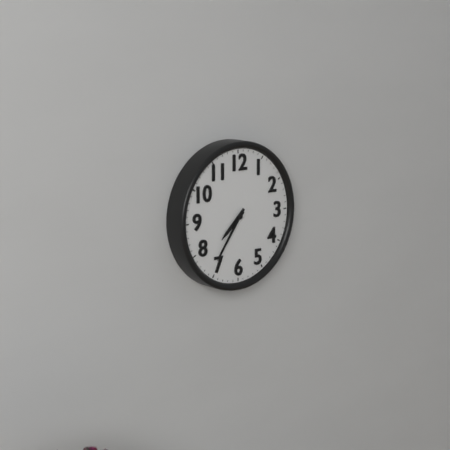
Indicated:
h=7 m=36
